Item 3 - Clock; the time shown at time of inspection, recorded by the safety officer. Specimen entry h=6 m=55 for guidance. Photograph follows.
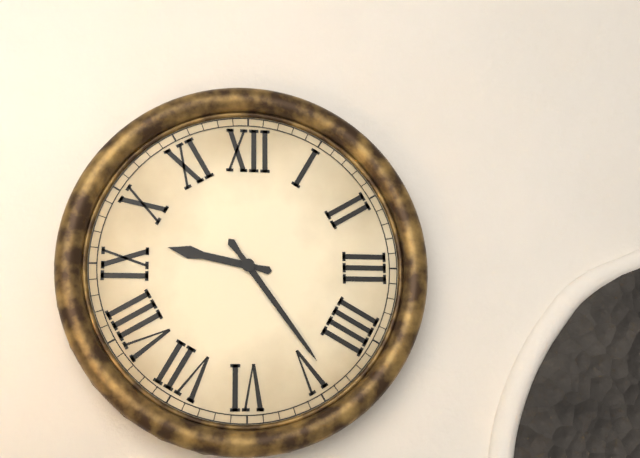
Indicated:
h=9 m=24
